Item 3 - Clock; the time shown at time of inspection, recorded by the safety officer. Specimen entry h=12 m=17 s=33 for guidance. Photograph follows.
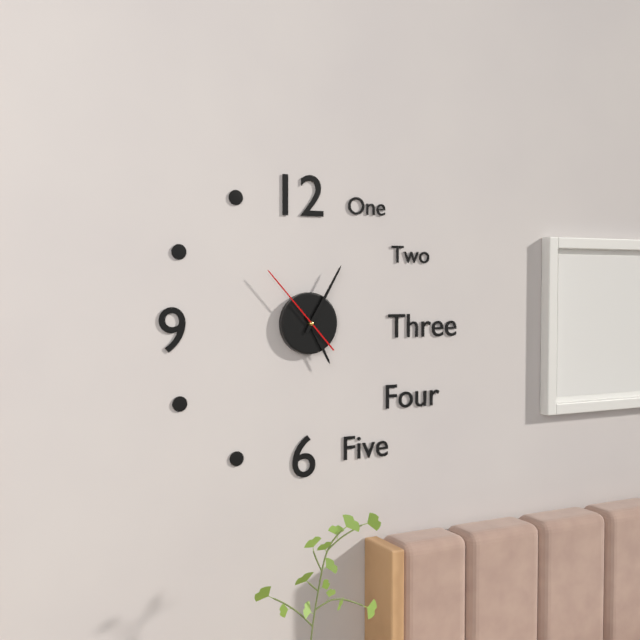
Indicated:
h=5 m=5 s=53
